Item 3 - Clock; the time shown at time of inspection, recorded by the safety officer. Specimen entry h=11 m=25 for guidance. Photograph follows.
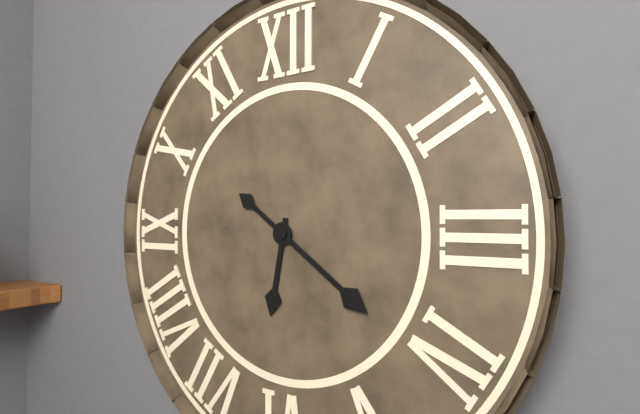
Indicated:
h=6 m=21
